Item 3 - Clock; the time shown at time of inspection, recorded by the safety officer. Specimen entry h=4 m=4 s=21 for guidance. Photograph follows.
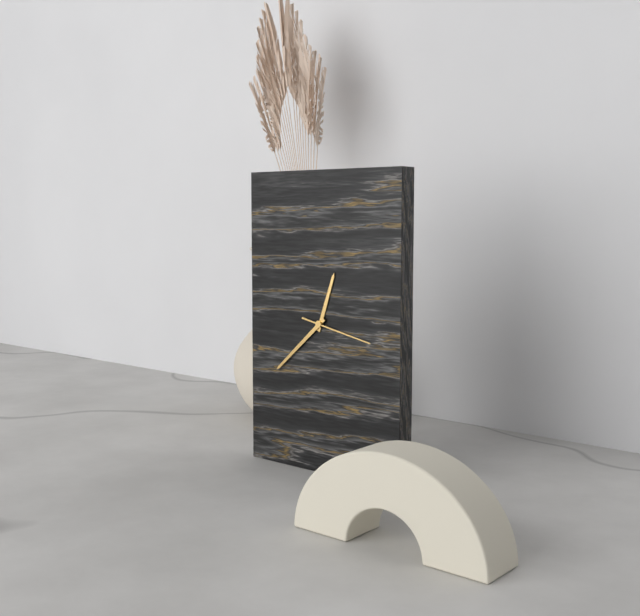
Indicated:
h=12 m=38 s=17
